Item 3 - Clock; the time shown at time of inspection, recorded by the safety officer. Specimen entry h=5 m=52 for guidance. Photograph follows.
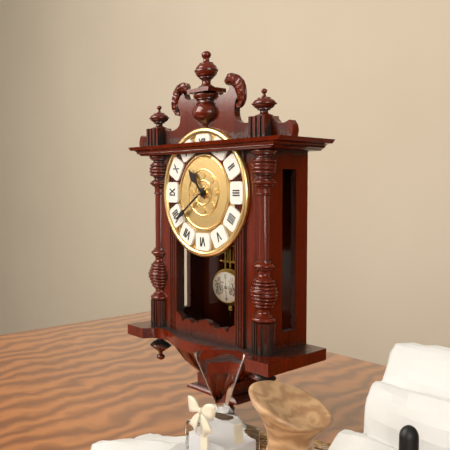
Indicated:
h=10 m=39
